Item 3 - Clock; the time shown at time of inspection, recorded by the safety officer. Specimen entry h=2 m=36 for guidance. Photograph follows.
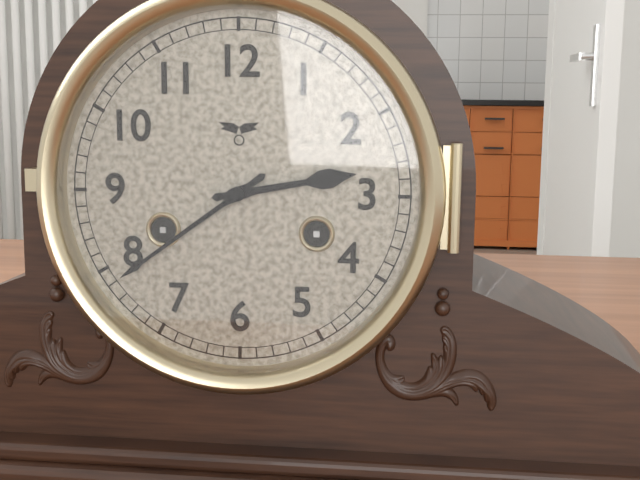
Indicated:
h=2 m=39
